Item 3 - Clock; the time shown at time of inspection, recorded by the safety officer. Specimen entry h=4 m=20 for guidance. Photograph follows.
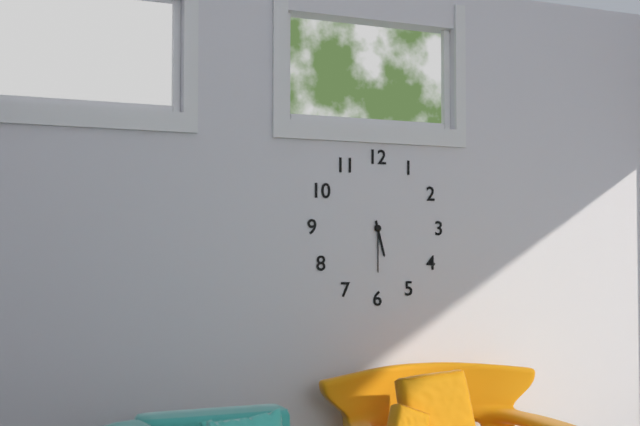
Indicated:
h=5 m=30
